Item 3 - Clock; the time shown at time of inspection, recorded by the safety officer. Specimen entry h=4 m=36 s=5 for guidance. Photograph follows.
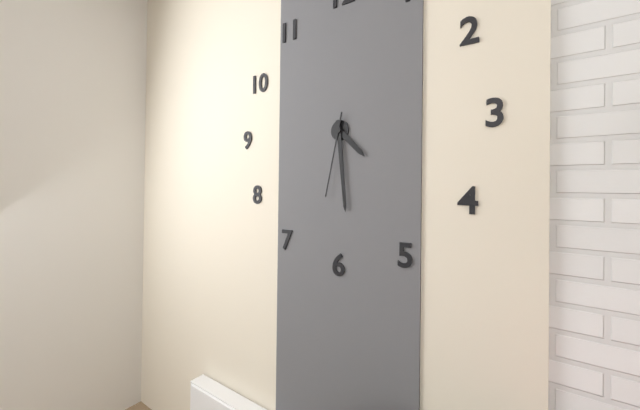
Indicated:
h=4 m=29 s=32
